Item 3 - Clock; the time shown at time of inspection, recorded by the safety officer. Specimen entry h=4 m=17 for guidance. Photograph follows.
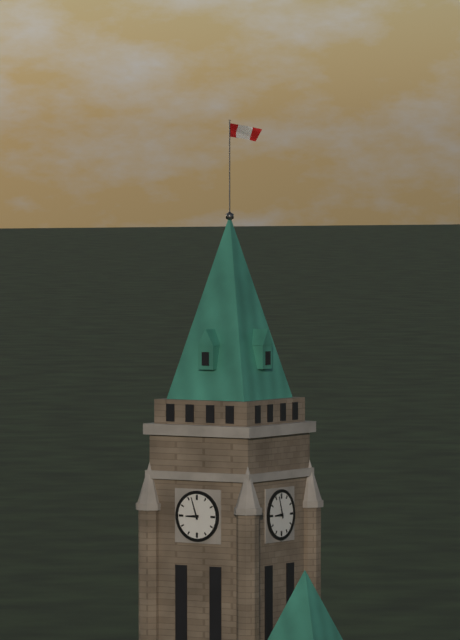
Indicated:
h=8 m=57
